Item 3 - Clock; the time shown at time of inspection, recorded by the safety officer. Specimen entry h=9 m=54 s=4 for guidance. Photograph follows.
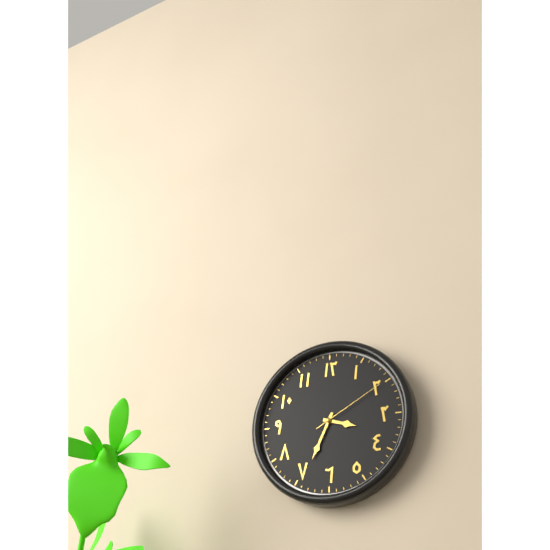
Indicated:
h=3 m=34 s=10
